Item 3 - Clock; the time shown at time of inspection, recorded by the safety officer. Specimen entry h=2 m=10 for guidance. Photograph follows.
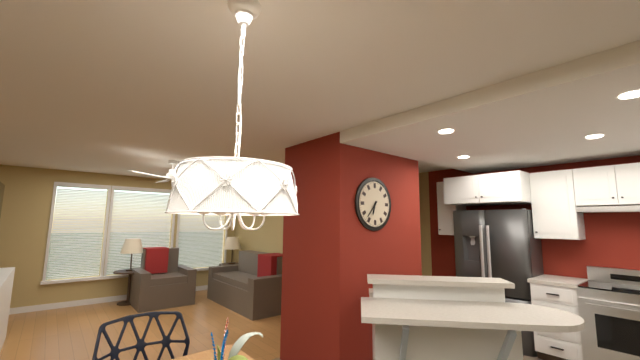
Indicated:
h=6 m=37
